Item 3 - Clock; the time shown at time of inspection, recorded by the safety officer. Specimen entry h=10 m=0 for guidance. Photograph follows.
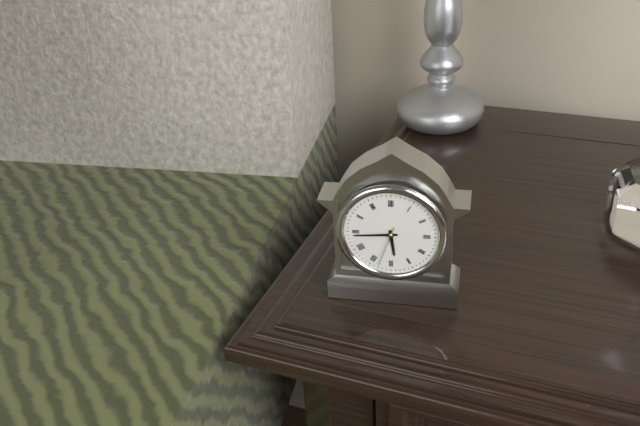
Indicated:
h=5 m=44
